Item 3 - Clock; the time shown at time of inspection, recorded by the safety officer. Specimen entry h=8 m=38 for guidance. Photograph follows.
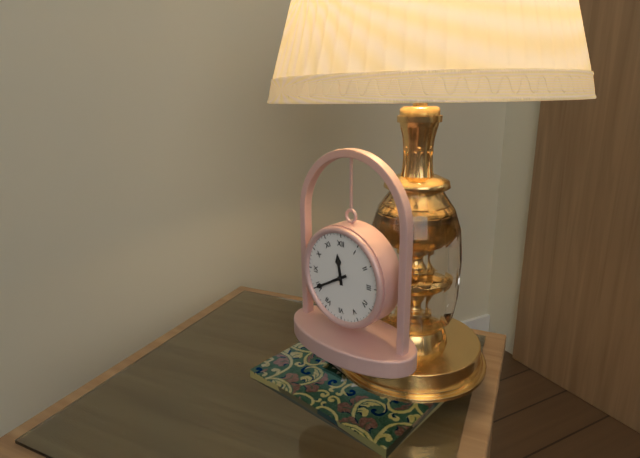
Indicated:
h=11 m=40
